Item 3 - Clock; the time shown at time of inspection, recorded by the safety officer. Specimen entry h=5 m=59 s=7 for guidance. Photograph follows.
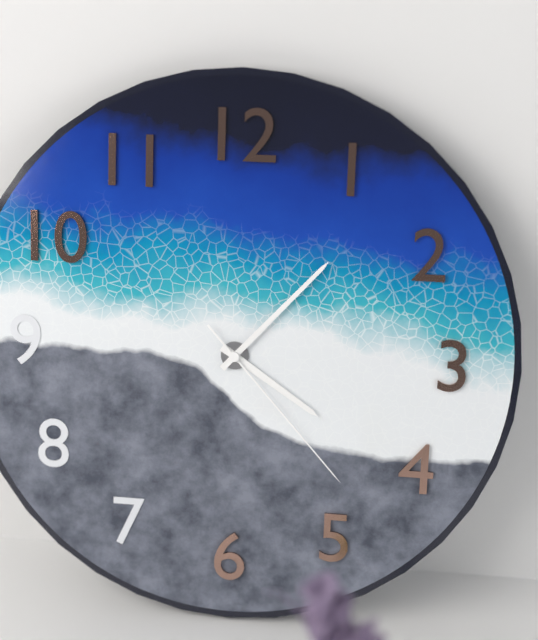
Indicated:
h=4 m=7 s=23
